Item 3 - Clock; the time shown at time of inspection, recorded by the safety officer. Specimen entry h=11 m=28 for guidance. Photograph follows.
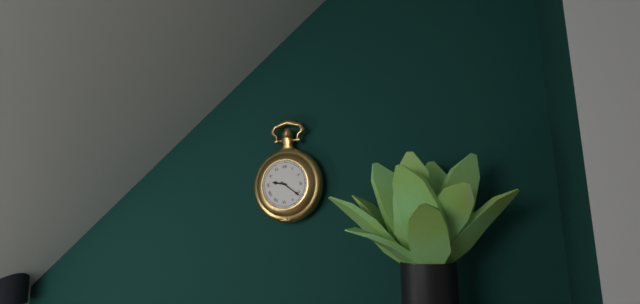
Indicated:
h=9 m=21
